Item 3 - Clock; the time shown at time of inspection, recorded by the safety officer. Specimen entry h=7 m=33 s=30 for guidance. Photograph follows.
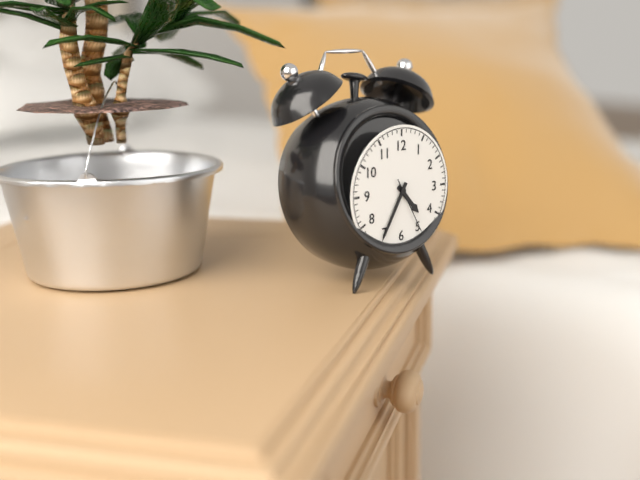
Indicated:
h=4 m=35 s=25
